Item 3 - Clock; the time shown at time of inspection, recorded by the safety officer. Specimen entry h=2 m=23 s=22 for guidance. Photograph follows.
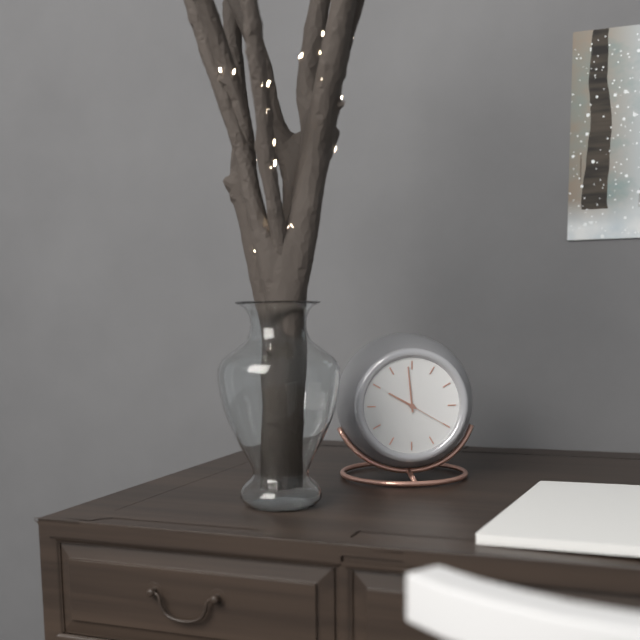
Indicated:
h=9 m=59 s=20
